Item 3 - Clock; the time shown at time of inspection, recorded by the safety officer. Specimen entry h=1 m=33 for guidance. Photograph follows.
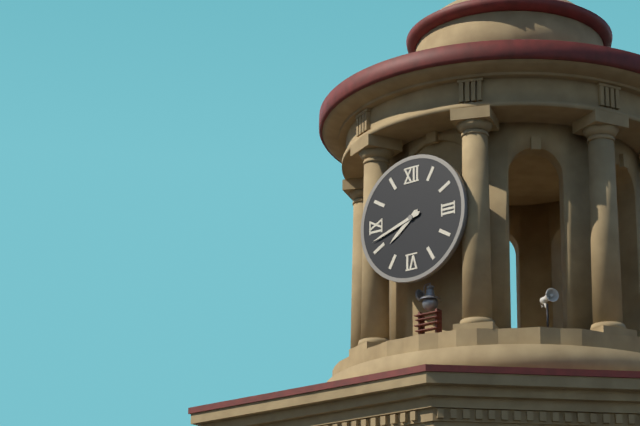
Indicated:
h=7 m=42
